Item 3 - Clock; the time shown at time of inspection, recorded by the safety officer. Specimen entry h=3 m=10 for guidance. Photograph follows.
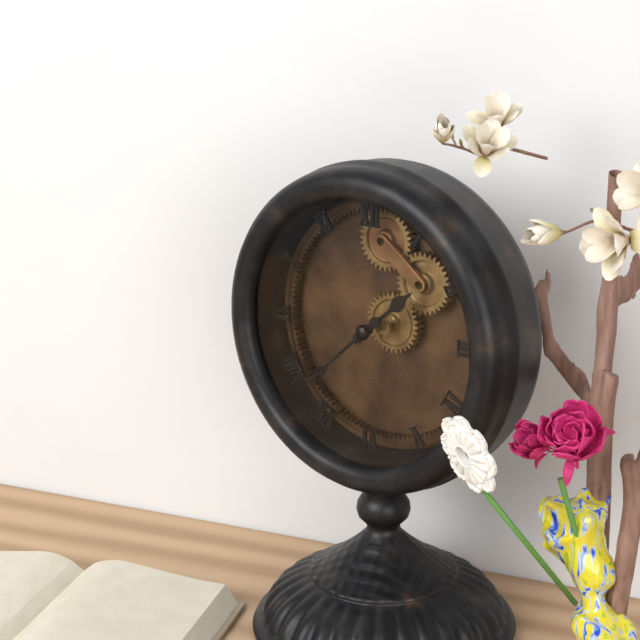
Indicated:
h=1 m=38
